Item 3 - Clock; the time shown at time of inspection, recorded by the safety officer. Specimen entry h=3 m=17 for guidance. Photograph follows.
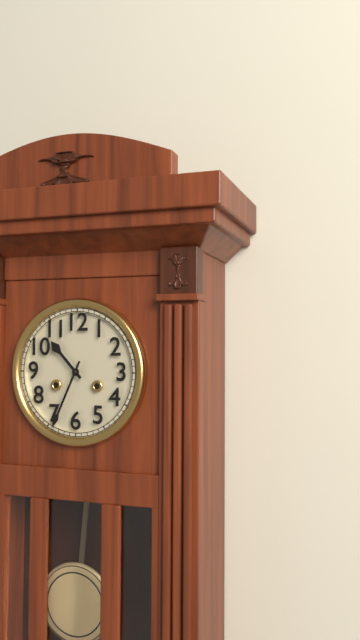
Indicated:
h=10 m=34
